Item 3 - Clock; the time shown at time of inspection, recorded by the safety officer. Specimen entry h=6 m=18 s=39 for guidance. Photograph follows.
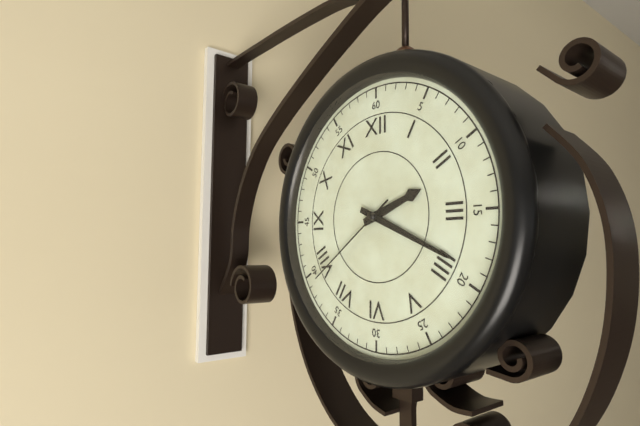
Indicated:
h=2 m=19 s=39
